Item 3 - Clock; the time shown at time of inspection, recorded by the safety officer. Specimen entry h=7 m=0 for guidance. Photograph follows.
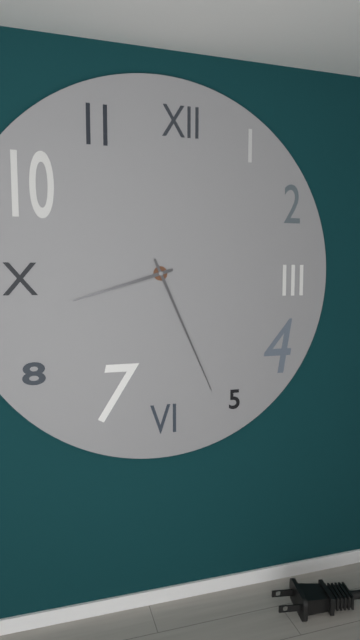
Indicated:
h=8 m=26
